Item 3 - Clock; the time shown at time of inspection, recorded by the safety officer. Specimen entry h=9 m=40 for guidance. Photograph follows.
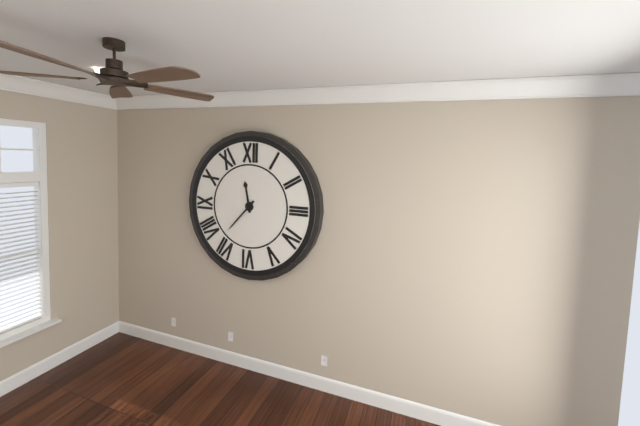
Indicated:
h=11 m=37
